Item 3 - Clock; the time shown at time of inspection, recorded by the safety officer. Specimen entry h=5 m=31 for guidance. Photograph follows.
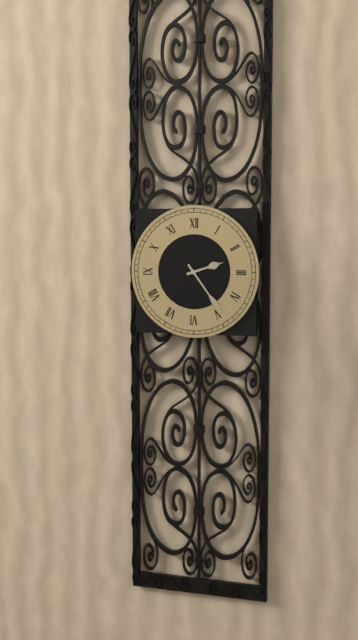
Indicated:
h=2 m=24
